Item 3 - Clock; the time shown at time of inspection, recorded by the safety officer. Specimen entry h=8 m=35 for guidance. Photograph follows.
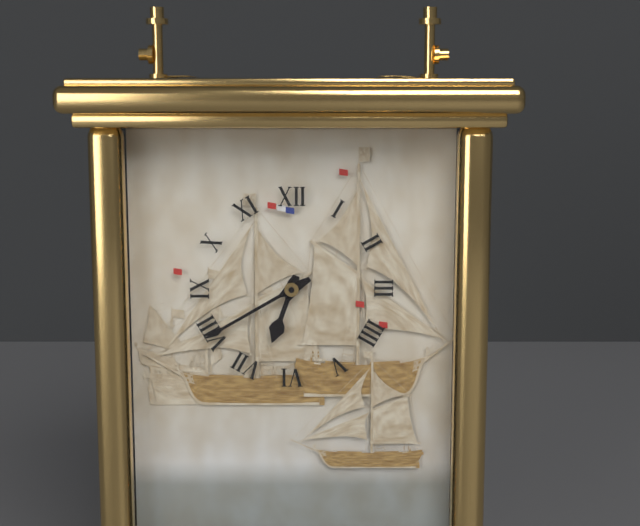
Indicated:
h=6 m=40
